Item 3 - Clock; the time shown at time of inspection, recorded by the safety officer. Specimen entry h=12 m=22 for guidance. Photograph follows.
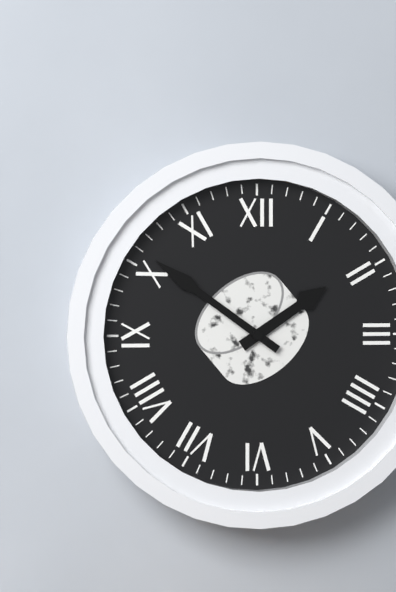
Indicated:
h=1 m=51
